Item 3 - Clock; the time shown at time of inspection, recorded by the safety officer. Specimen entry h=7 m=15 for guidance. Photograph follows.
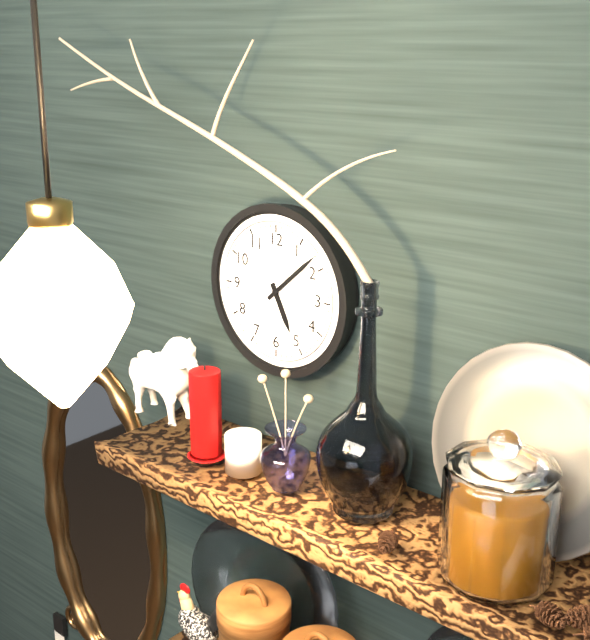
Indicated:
h=5 m=8
